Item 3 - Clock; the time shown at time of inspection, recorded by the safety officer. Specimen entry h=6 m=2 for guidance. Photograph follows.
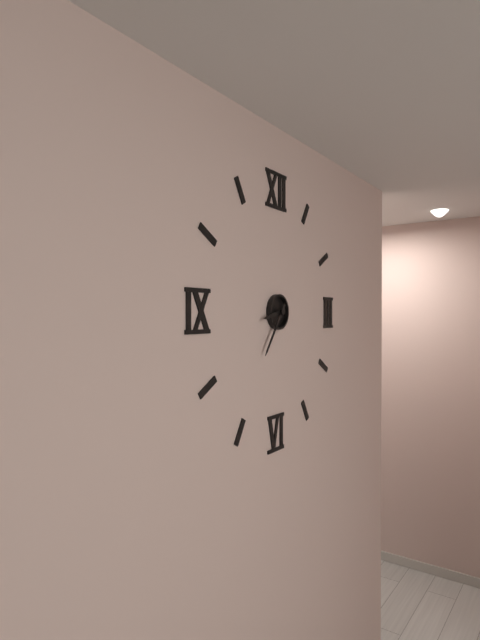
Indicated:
h=8 m=36
